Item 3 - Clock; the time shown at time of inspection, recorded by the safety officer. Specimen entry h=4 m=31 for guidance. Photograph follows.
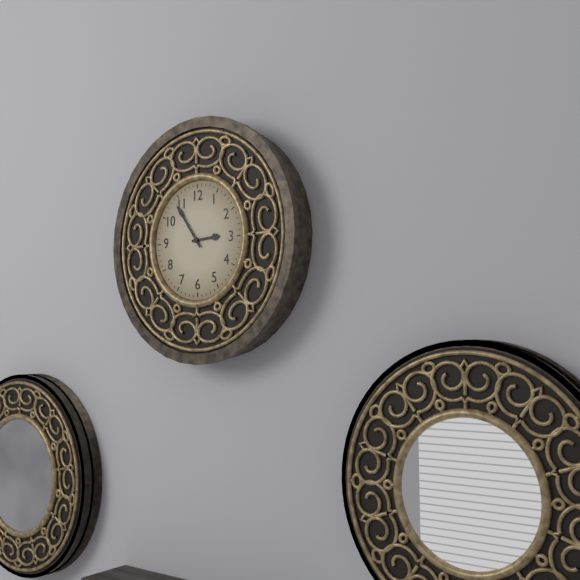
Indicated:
h=2 m=54
